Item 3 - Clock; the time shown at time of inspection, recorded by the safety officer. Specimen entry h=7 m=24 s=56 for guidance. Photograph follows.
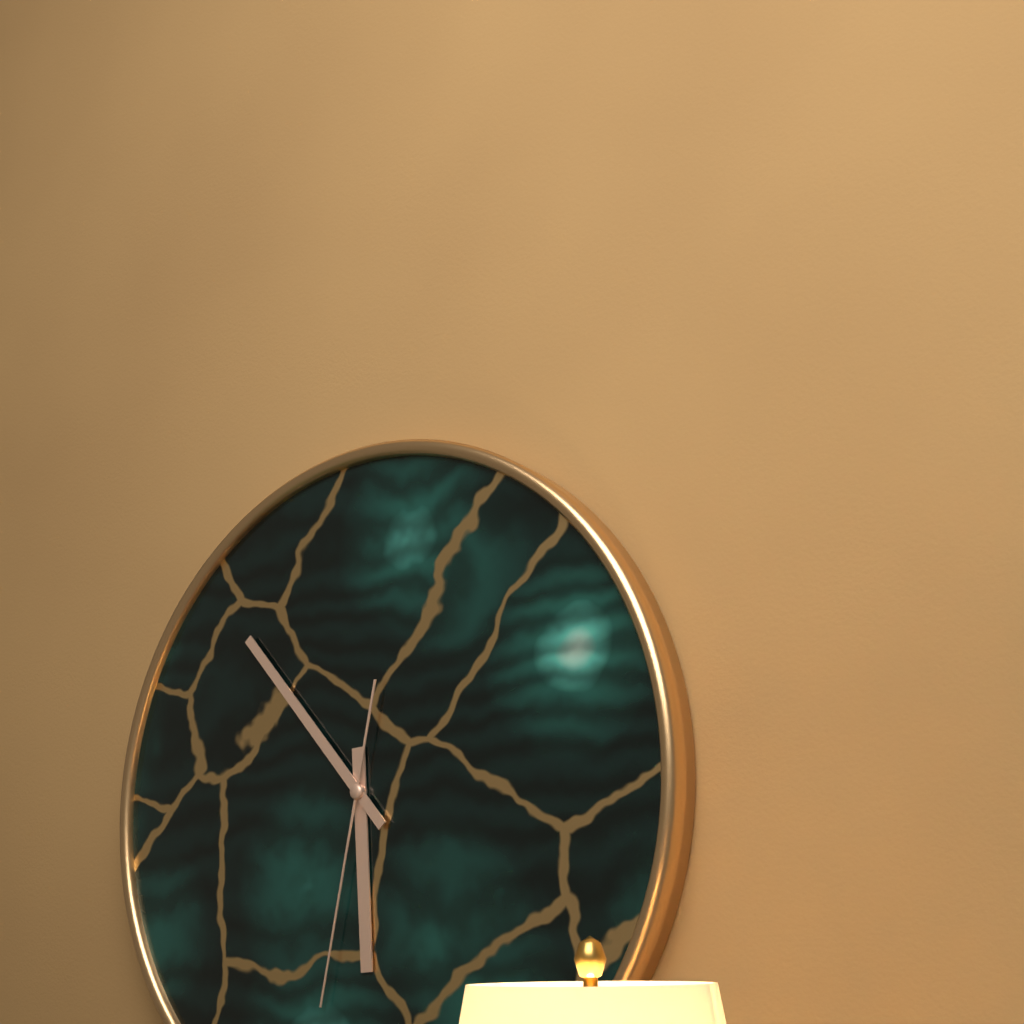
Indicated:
h=5 m=53 s=32
